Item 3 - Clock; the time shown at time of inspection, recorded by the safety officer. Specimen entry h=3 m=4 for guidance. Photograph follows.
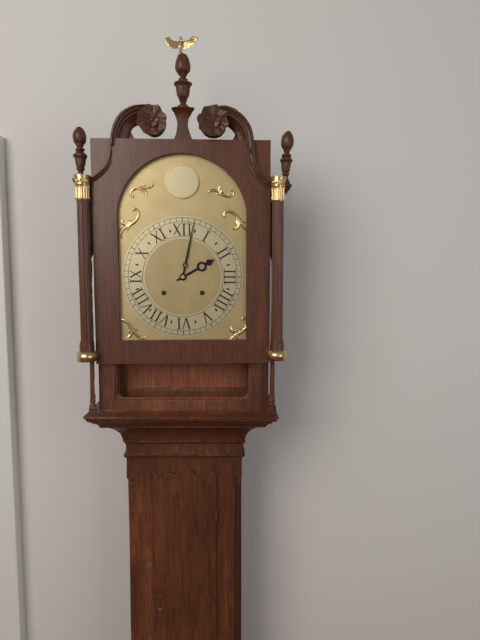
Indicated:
h=2 m=2
